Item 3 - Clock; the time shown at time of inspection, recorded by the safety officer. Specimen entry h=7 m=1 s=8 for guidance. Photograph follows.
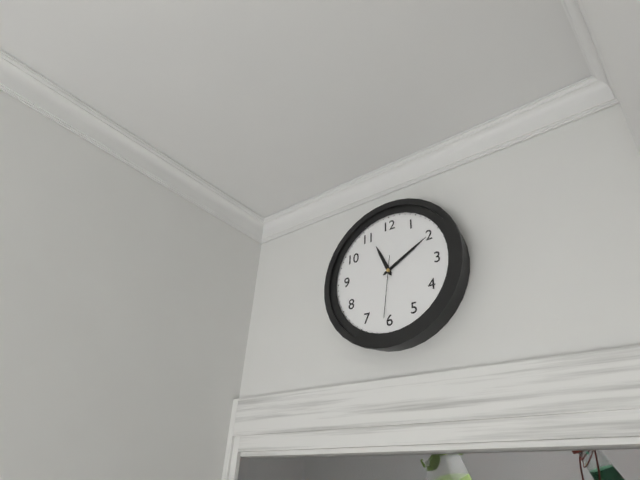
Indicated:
h=11 m=10 s=31
